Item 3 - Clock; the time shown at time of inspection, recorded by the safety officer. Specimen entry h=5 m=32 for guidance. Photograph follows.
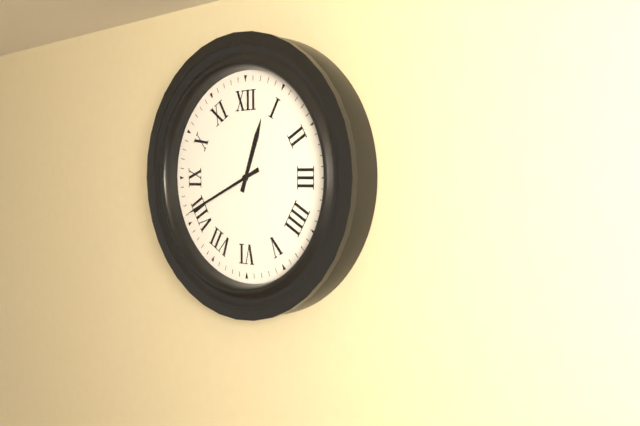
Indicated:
h=12 m=41
